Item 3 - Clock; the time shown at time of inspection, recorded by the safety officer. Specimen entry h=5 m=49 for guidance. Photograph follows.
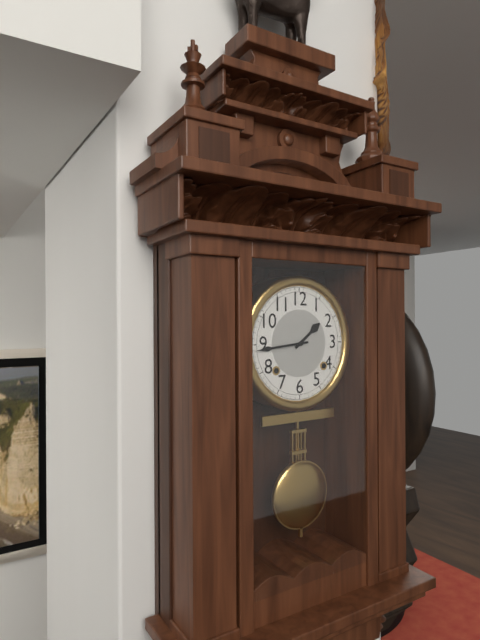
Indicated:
h=1 m=44
